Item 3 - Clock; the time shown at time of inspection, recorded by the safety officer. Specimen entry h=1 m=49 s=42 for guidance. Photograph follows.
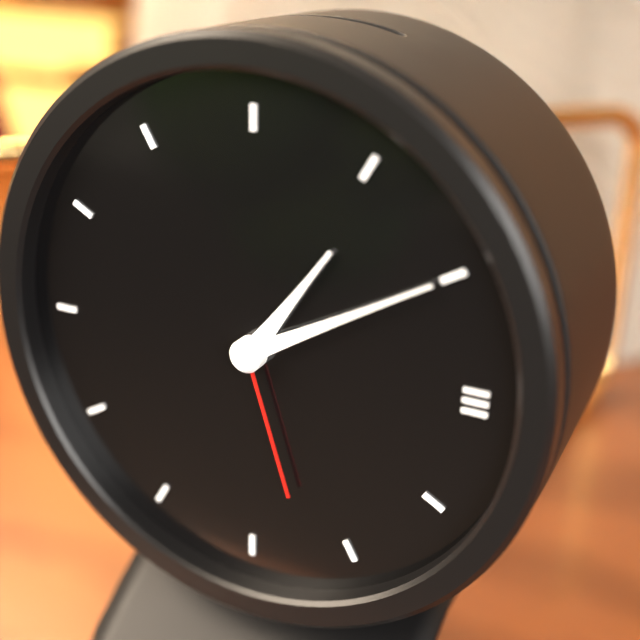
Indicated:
h=1 m=10 s=27
